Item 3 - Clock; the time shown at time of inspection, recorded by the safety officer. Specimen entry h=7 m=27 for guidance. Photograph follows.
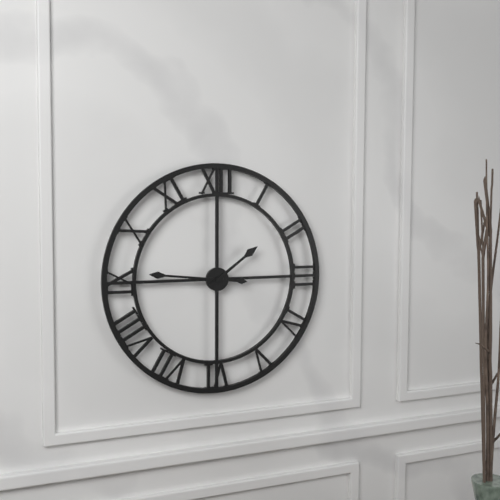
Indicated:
h=1 m=46
